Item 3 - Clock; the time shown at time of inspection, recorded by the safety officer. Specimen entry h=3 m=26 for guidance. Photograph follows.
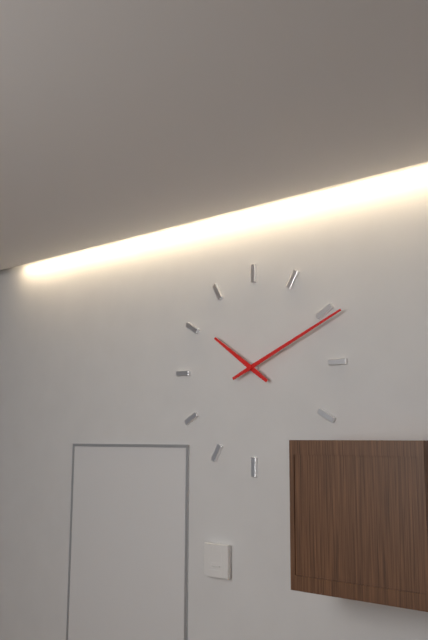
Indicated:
h=10 m=11
